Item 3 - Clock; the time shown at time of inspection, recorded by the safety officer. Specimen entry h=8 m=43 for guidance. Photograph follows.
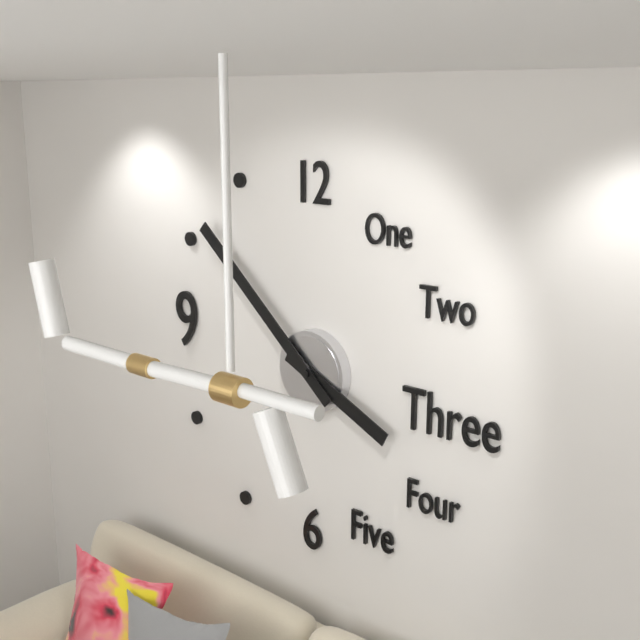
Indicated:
h=3 m=52
